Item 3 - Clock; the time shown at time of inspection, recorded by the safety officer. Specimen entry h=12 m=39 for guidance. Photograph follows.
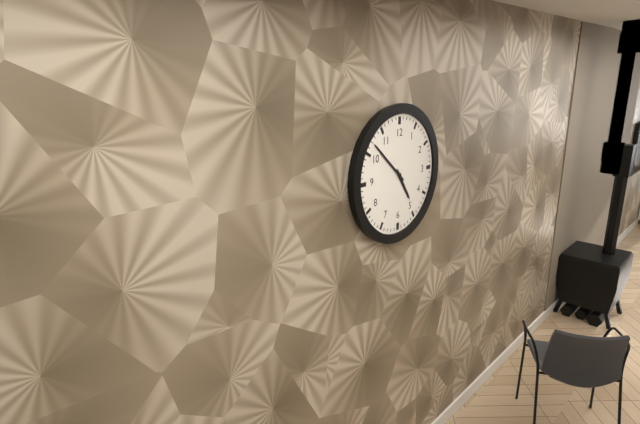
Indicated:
h=4 m=52
